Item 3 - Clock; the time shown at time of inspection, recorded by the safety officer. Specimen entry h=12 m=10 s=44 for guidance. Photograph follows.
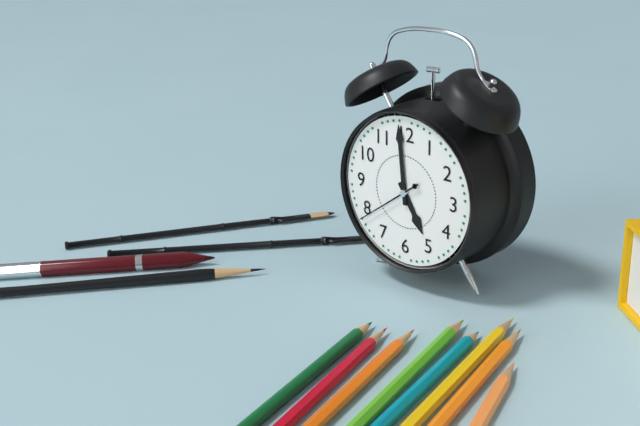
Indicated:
h=4 m=59 s=39
